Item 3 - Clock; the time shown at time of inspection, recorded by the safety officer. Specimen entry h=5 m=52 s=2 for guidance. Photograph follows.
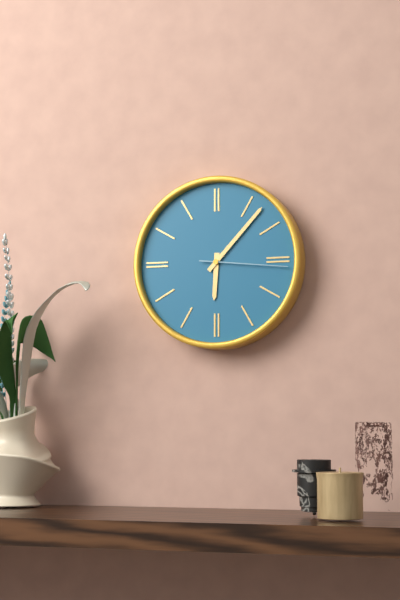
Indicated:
h=6 m=7 s=16
